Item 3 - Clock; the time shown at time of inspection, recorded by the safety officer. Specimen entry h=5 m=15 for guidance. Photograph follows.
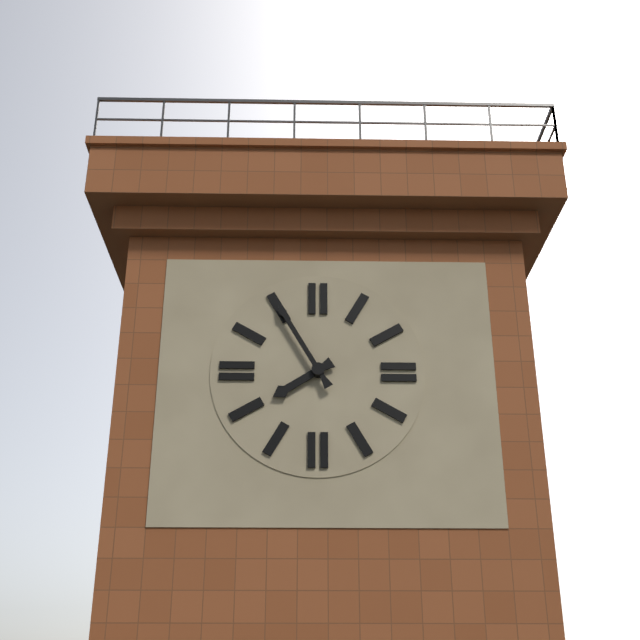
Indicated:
h=7 m=55
